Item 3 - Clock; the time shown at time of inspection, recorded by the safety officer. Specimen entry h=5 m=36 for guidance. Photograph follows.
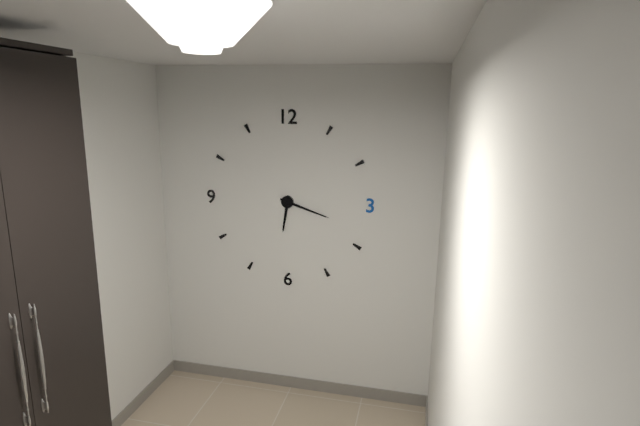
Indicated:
h=6 m=18
